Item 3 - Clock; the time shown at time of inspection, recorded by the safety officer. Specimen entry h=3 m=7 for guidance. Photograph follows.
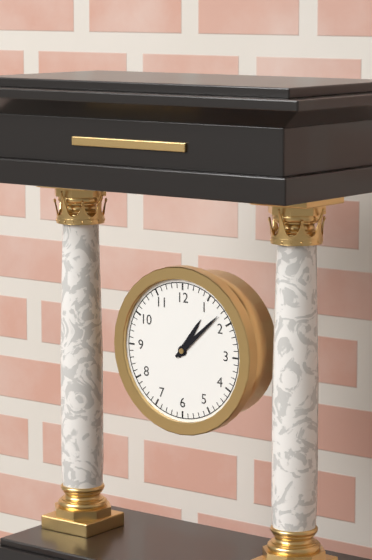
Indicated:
h=1 m=8
